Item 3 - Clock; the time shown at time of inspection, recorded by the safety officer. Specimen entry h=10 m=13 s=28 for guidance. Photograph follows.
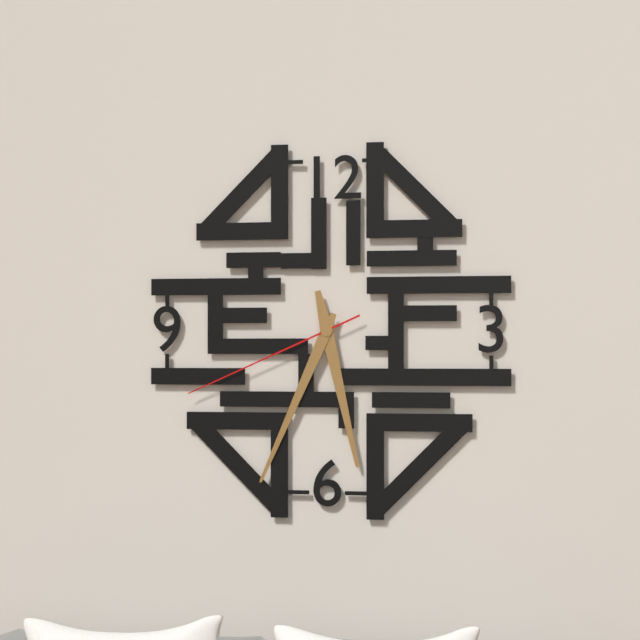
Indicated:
h=5 m=34 s=41
